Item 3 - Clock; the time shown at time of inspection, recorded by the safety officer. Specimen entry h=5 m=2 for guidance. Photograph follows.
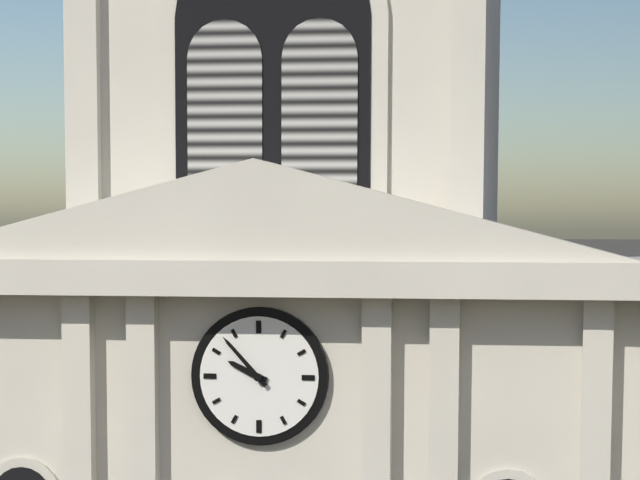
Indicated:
h=9 m=53
